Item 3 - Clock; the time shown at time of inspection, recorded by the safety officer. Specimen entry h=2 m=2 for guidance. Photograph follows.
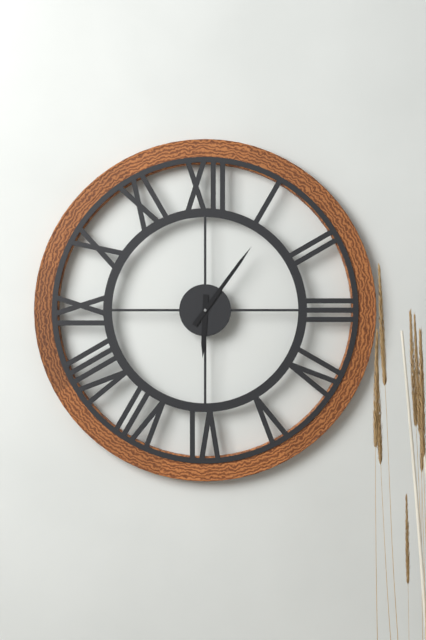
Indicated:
h=6 m=6
